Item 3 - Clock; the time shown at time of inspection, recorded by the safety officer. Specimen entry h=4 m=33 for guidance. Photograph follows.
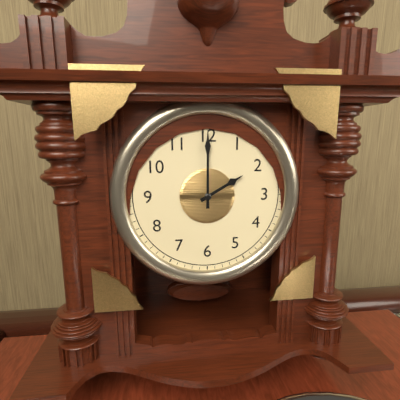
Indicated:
h=2 m=0
